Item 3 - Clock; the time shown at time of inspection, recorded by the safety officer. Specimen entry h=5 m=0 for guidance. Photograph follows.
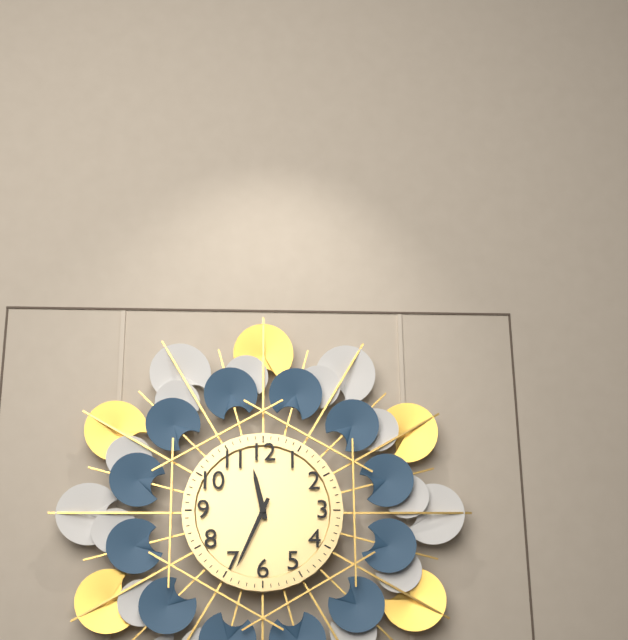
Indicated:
h=11 m=34
